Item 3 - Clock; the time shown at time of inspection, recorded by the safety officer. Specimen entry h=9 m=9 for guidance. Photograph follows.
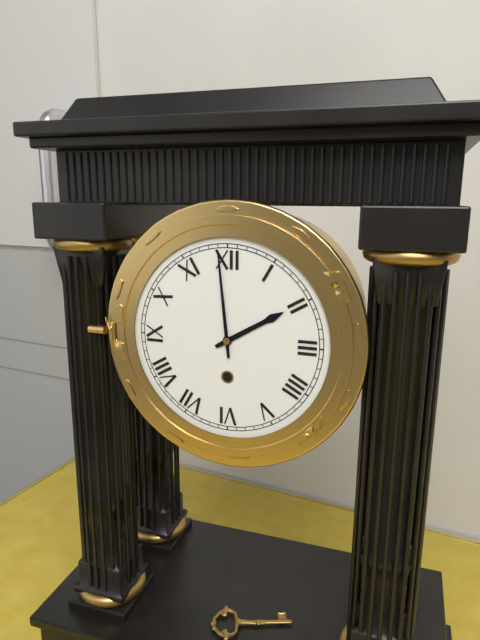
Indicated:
h=1 m=59
